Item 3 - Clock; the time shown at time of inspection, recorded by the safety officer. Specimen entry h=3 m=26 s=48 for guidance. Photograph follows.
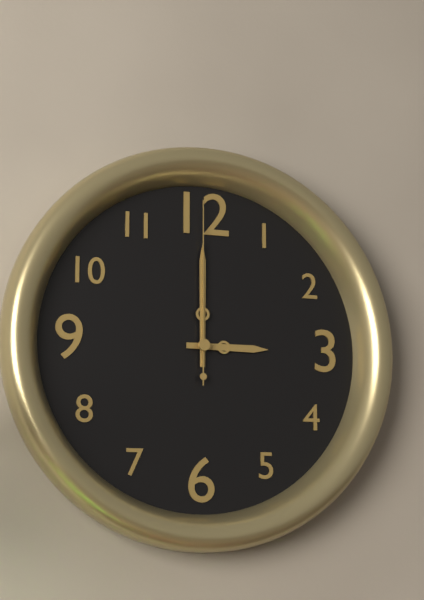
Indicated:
h=3 m=0 s=0
